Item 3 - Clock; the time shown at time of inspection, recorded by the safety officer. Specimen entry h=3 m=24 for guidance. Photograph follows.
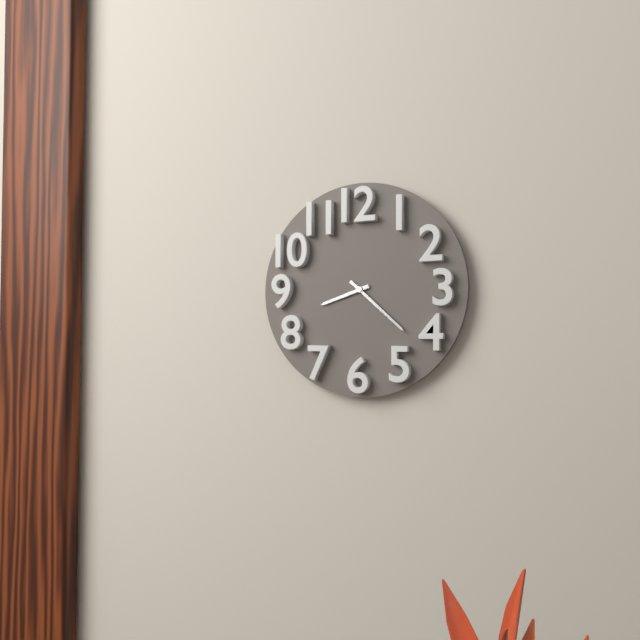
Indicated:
h=8 m=22
